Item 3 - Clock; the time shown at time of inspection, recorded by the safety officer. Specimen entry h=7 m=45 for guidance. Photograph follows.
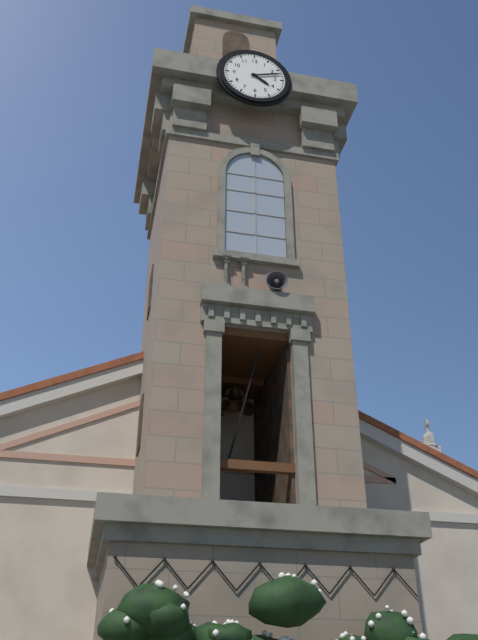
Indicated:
h=4 m=12
